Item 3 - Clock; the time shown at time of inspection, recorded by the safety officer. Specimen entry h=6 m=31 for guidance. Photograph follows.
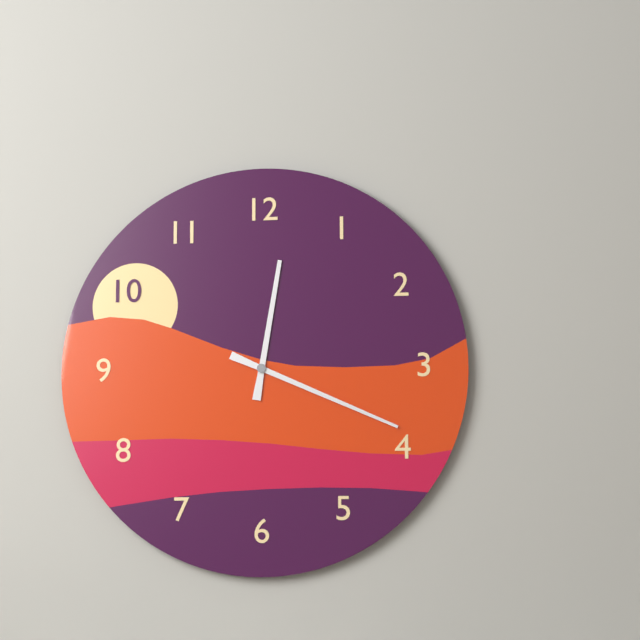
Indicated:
h=12 m=19
